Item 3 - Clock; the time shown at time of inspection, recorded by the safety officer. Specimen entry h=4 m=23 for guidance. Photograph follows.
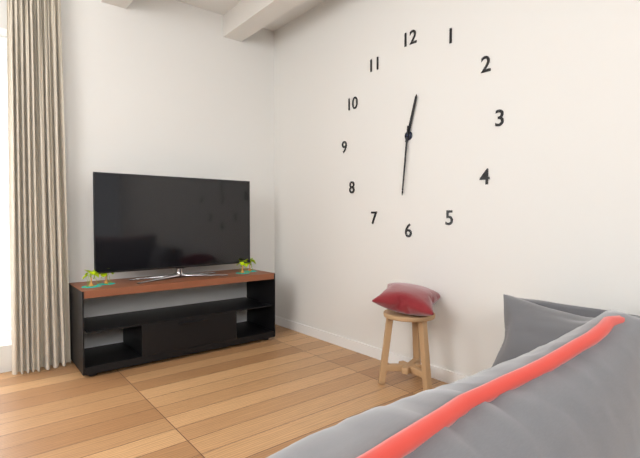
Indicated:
h=12 m=31
